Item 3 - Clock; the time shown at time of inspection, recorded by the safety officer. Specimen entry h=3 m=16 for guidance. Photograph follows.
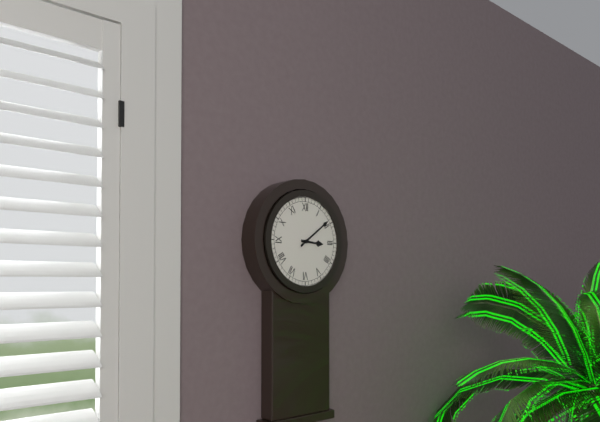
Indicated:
h=3 m=9
